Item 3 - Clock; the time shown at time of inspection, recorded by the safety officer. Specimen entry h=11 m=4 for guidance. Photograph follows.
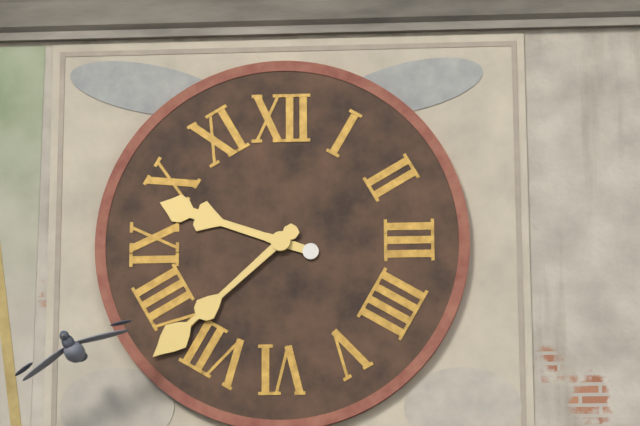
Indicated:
h=9 m=38
